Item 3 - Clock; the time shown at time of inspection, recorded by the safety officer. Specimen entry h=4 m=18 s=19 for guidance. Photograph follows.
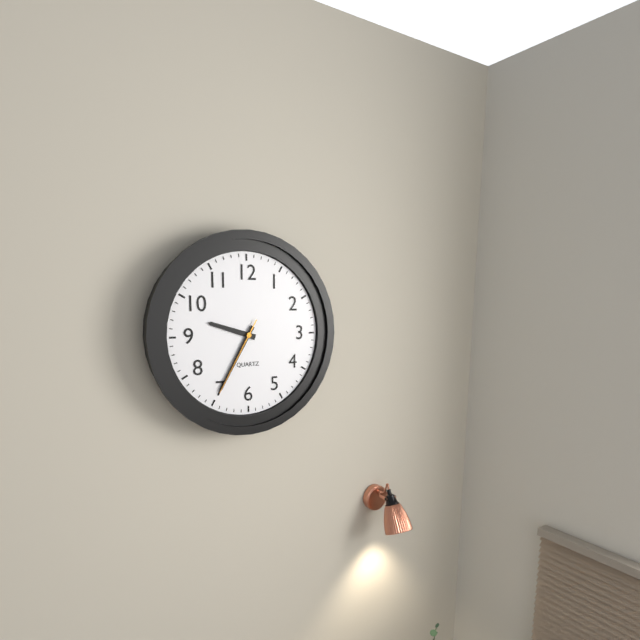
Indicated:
h=9 m=35 s=35
